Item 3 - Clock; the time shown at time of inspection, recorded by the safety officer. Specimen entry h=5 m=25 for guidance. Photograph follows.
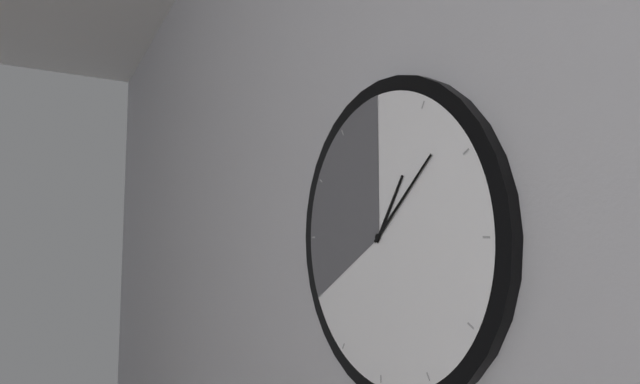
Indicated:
h=1 m=8
